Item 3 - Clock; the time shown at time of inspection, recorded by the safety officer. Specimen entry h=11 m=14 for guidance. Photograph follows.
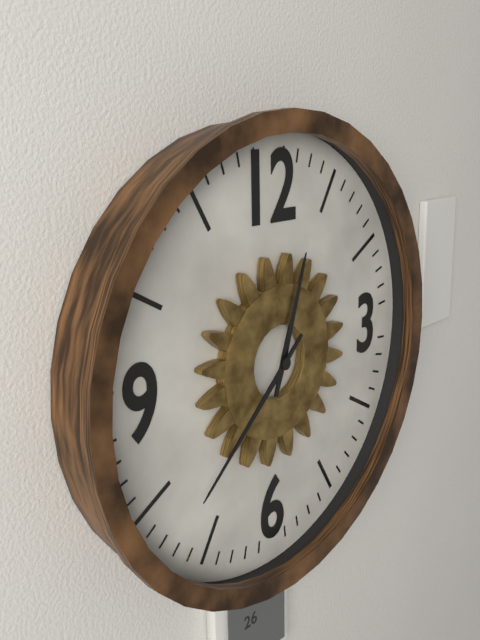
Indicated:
h=12 m=38
